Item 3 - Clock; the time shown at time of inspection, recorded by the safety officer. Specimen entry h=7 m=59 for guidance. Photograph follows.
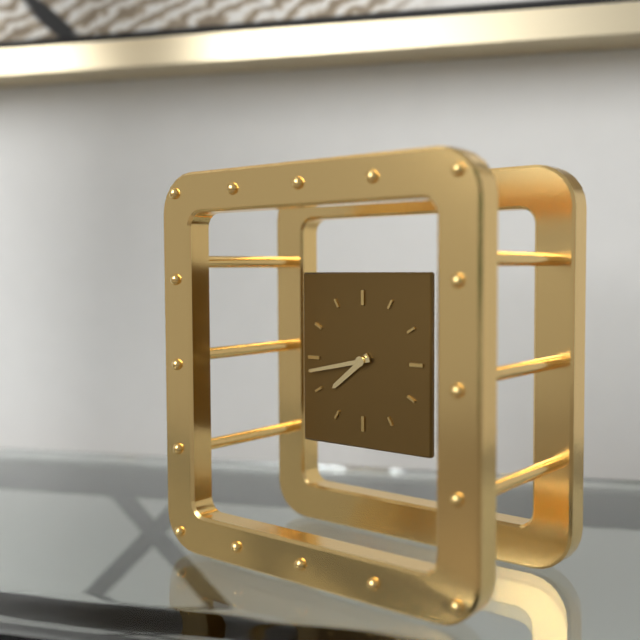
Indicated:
h=7 m=43
